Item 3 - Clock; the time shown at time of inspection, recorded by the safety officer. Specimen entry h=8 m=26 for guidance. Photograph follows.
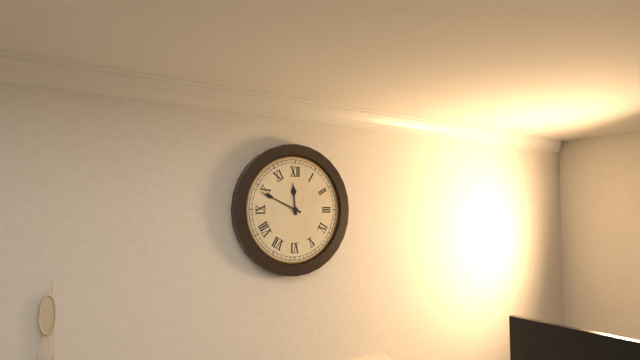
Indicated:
h=11 m=49
